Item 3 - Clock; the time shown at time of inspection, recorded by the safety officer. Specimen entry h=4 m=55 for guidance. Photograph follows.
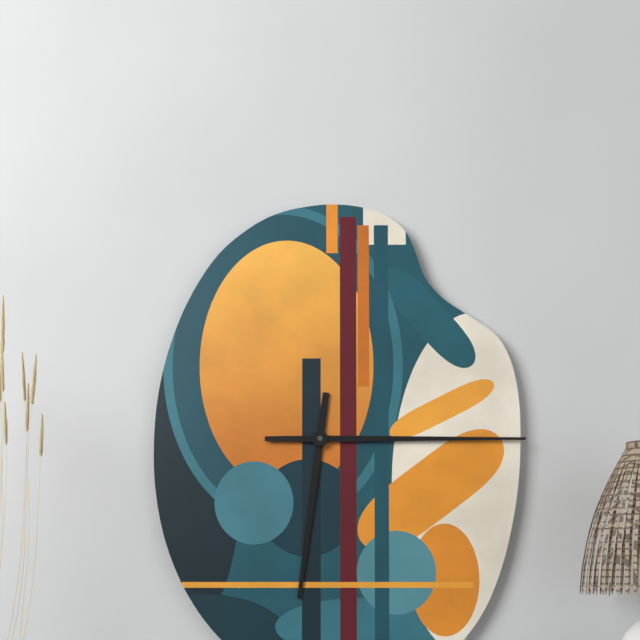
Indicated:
h=6 m=15
